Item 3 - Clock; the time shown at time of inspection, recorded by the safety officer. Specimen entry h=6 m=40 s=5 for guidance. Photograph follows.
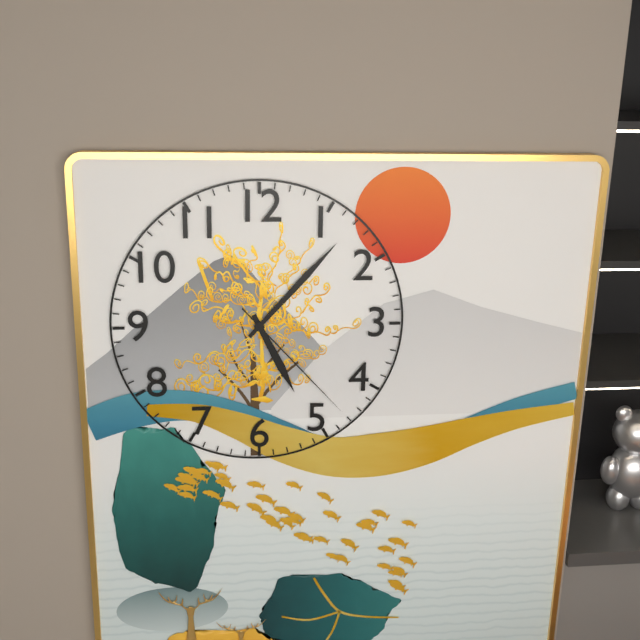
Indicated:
h=5 m=7 s=23
